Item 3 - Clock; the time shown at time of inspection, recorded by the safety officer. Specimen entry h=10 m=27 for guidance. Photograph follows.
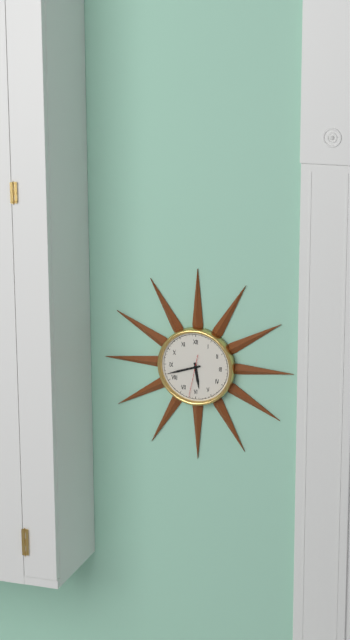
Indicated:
h=5 m=42
